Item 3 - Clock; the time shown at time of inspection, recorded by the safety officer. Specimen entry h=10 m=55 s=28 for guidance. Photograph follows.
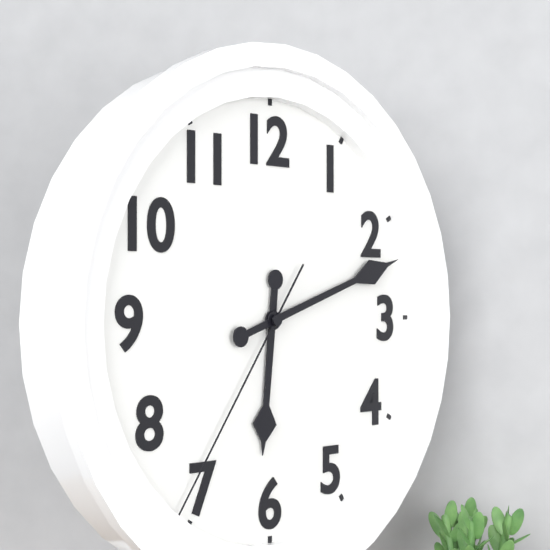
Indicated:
h=6 m=12 s=36
